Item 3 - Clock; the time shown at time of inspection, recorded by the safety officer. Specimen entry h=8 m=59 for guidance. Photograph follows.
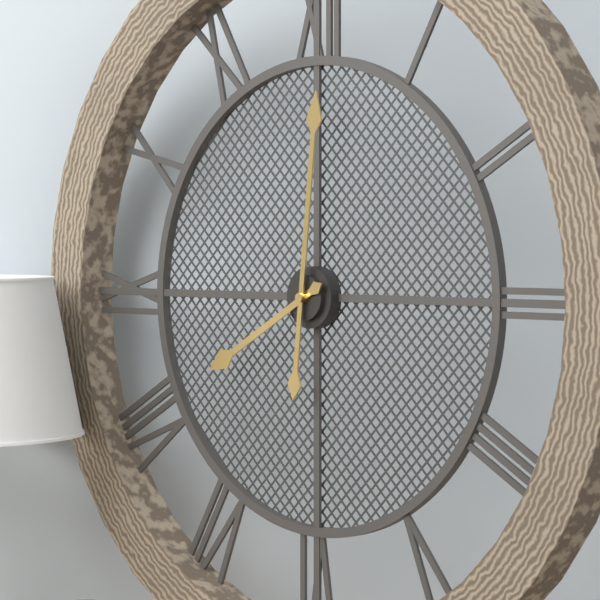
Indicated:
h=8 m=1
